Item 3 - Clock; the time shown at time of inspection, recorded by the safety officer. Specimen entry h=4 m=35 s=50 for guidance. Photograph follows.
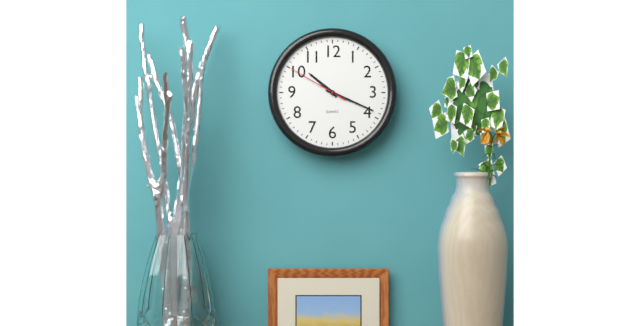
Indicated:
h=10 m=19 s=50
